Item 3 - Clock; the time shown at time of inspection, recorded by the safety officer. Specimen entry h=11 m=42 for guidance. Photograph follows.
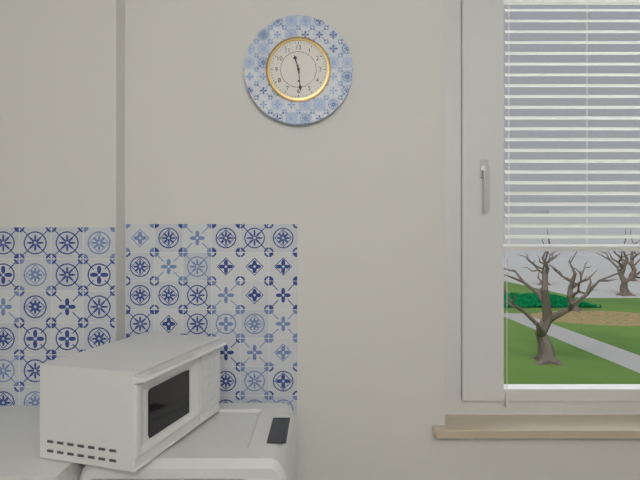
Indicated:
h=11 m=29
